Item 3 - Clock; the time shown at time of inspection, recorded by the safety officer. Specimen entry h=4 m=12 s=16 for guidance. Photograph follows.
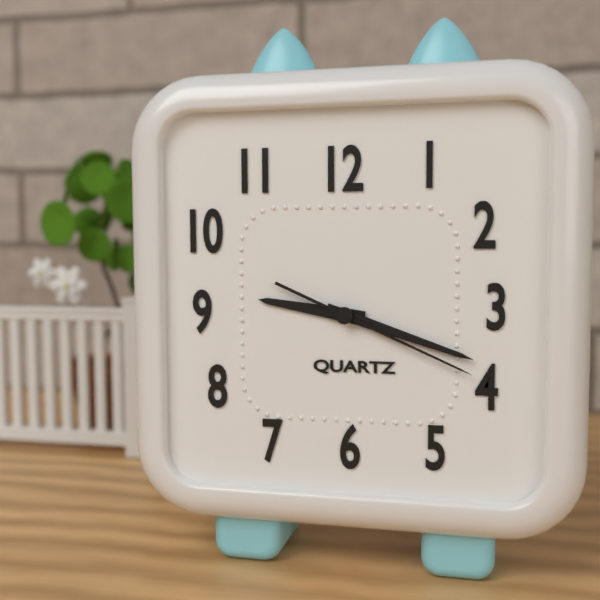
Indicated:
h=9 m=18 s=19
